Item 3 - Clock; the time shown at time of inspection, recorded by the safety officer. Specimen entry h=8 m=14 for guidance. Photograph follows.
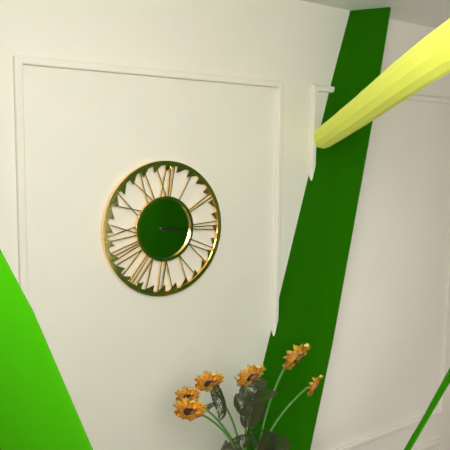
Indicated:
h=3 m=17
